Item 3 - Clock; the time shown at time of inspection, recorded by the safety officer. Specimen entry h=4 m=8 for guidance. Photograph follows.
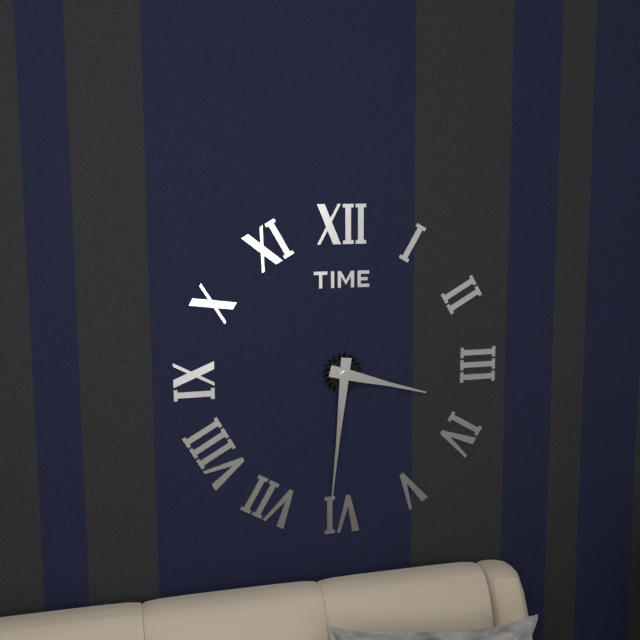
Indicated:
h=3 m=31
